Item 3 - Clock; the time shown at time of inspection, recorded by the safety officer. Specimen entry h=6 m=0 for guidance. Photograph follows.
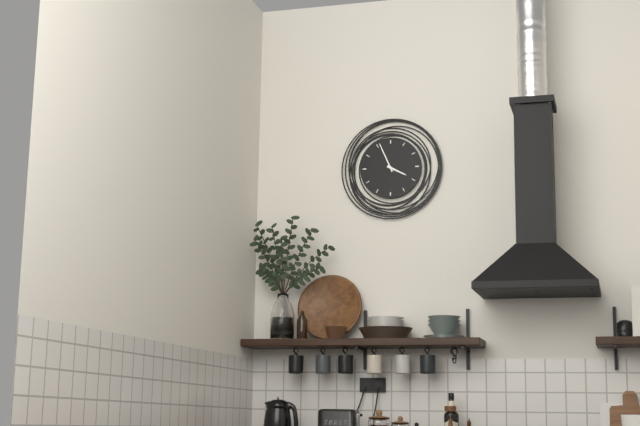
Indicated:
h=3 m=56
